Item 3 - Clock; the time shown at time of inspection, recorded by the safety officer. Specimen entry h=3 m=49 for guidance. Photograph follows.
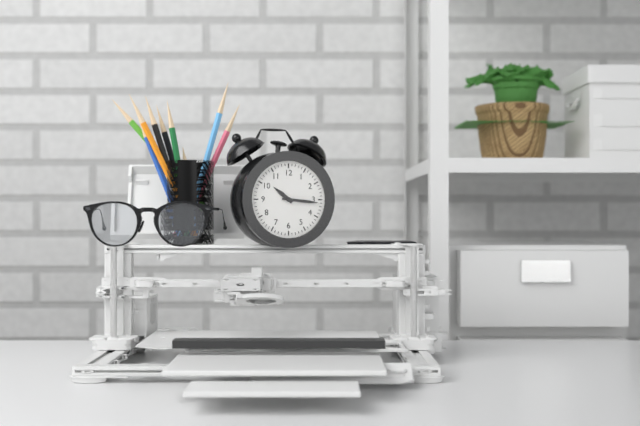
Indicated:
h=10 m=16
